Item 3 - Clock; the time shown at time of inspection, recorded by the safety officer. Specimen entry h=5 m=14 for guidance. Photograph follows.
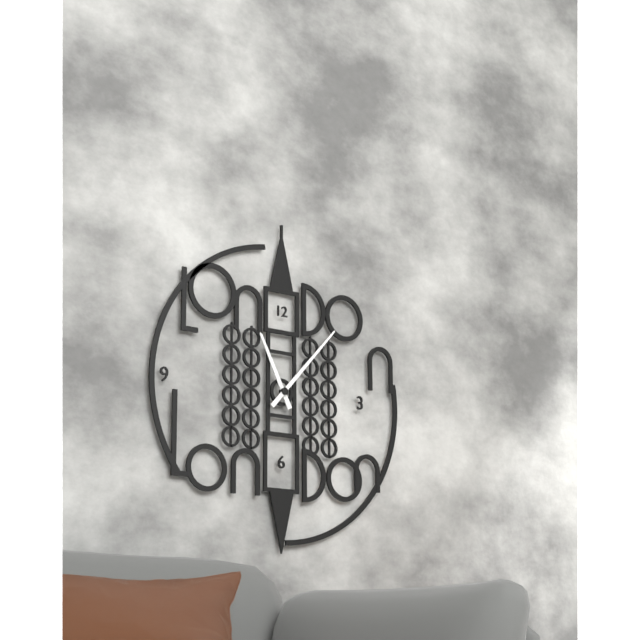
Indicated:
h=11 m=7
